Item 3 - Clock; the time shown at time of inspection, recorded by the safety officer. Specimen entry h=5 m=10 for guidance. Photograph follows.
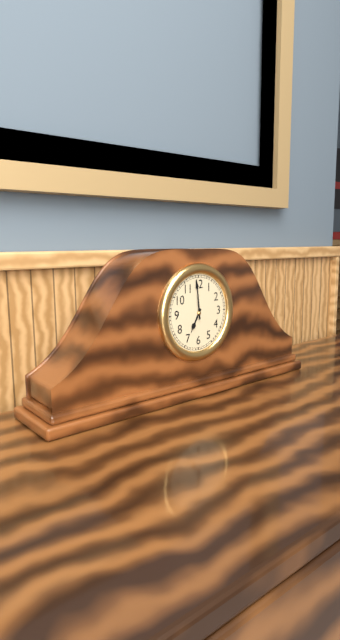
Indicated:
h=6 m=59
